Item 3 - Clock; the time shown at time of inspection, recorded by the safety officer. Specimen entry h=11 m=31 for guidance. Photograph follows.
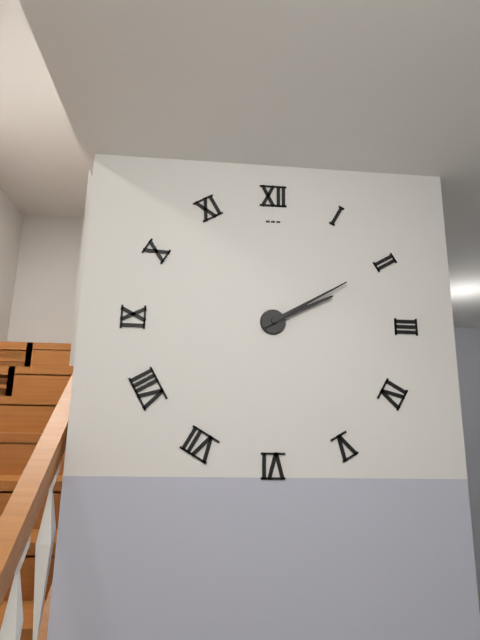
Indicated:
h=2 m=10
